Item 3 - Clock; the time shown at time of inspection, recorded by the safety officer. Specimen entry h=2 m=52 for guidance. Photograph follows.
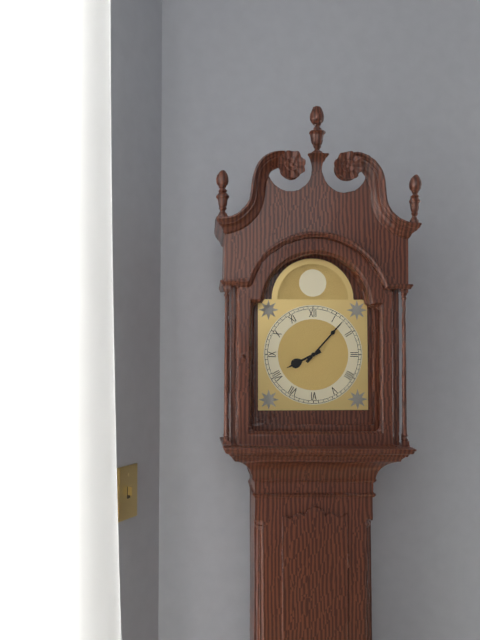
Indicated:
h=8 m=7
